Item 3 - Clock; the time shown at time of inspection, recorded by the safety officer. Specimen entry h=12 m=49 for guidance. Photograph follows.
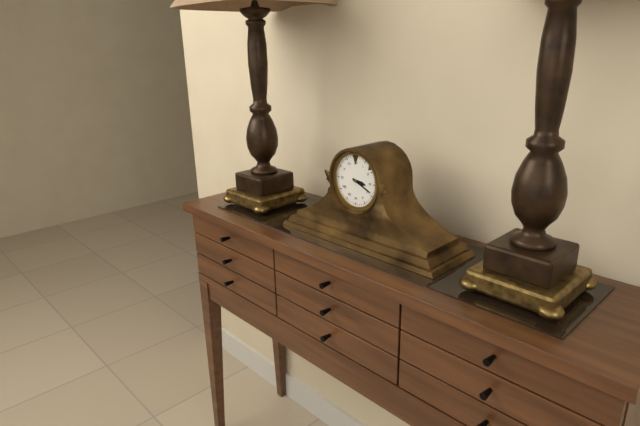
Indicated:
h=3 m=19
